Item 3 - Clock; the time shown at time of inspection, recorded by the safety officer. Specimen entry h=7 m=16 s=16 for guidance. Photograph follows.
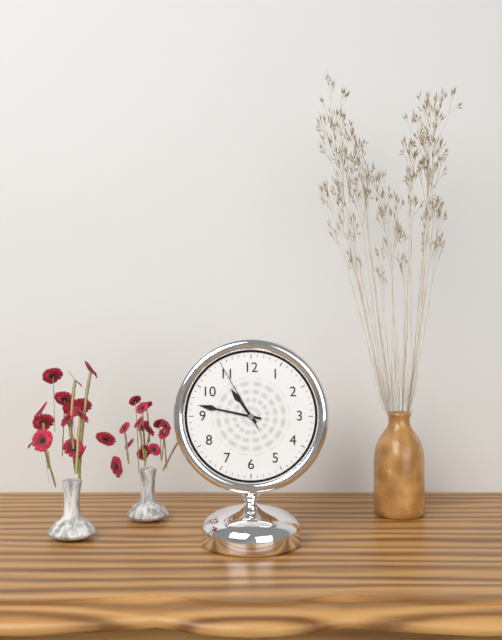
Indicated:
h=10 m=47 s=55
